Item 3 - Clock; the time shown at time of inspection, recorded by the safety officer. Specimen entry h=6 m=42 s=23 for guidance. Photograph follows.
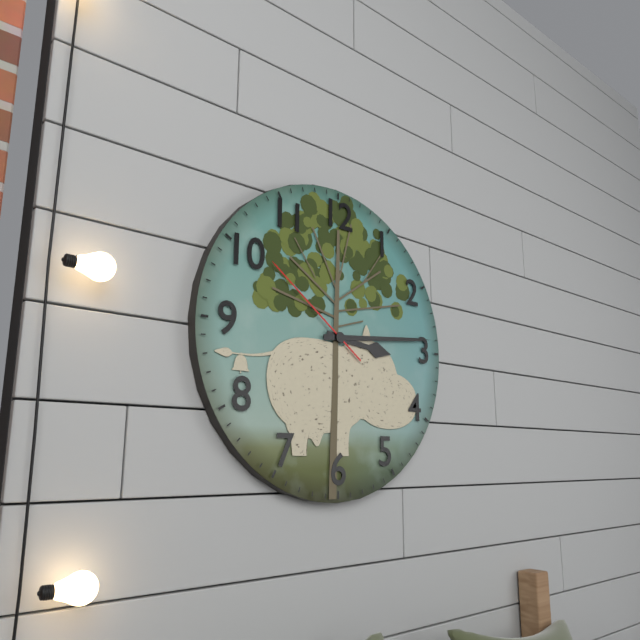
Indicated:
h=3 m=14 s=51
